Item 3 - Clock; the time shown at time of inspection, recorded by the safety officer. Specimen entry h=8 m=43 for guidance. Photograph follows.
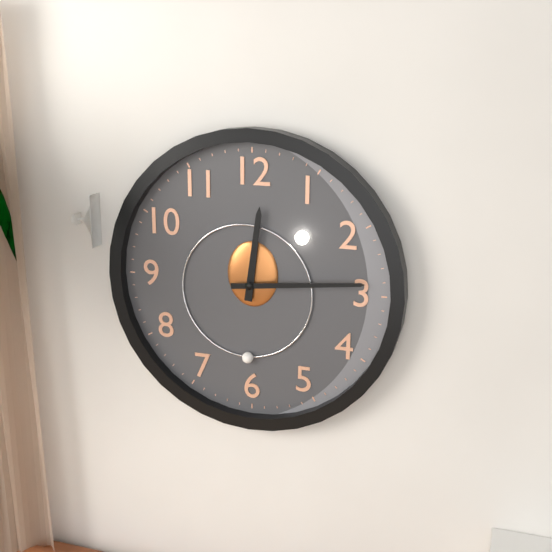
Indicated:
h=12 m=14
